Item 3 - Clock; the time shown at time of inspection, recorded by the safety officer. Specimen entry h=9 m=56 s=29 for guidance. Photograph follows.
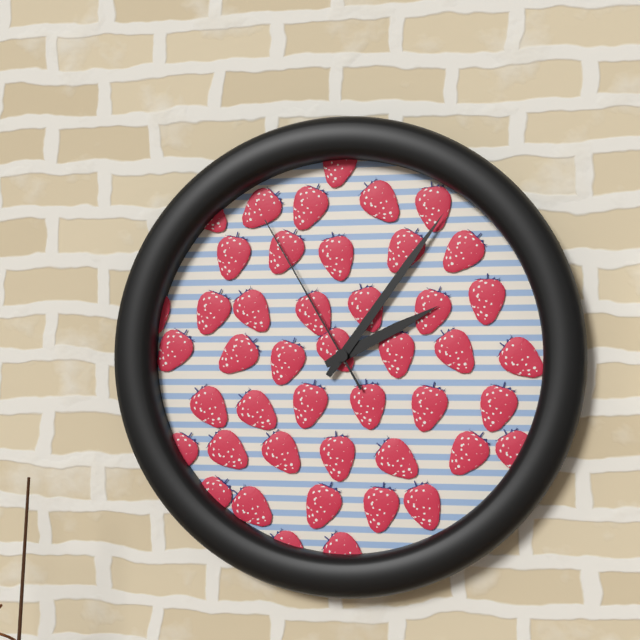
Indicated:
h=2 m=6 s=55
